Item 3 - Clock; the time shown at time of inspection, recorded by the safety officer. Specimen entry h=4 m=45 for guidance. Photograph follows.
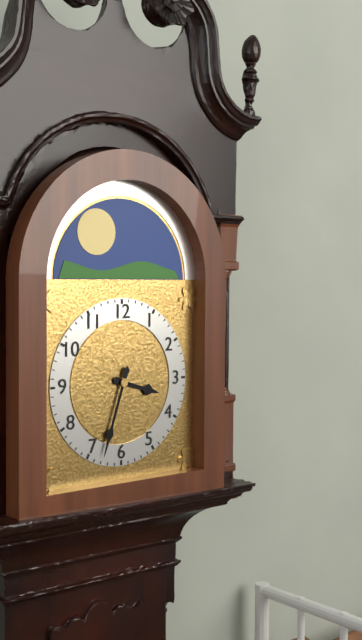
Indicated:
h=3 m=33
